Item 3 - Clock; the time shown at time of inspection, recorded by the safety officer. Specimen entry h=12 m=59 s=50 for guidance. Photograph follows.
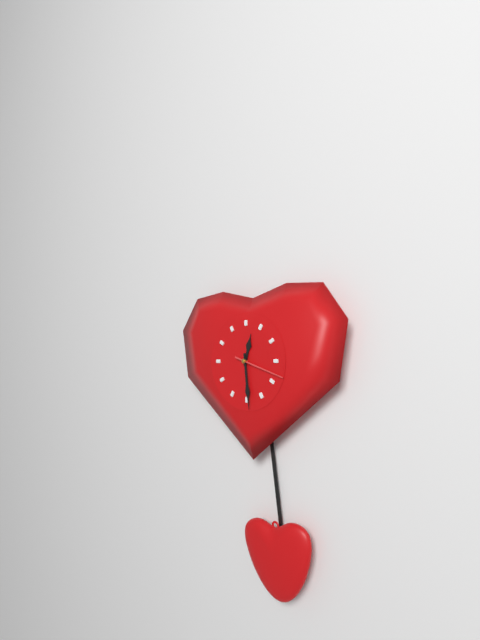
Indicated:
h=12 m=29 s=18
